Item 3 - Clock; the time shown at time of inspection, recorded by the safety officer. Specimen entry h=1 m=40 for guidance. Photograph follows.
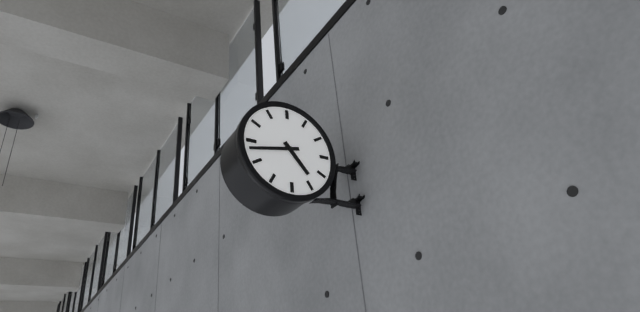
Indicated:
h=4 m=43
